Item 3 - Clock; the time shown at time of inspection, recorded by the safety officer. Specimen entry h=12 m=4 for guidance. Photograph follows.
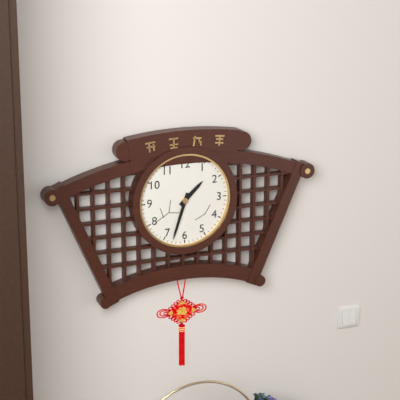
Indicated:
h=1 m=33
